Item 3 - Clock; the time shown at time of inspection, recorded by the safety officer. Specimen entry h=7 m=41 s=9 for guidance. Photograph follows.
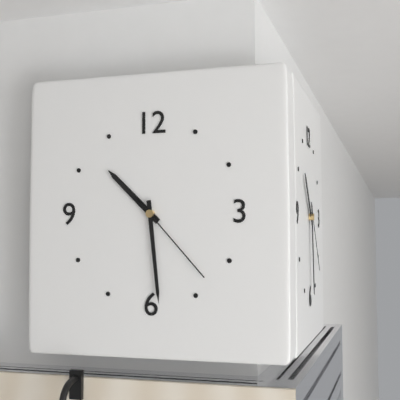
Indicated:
h=10 m=29 s=23
